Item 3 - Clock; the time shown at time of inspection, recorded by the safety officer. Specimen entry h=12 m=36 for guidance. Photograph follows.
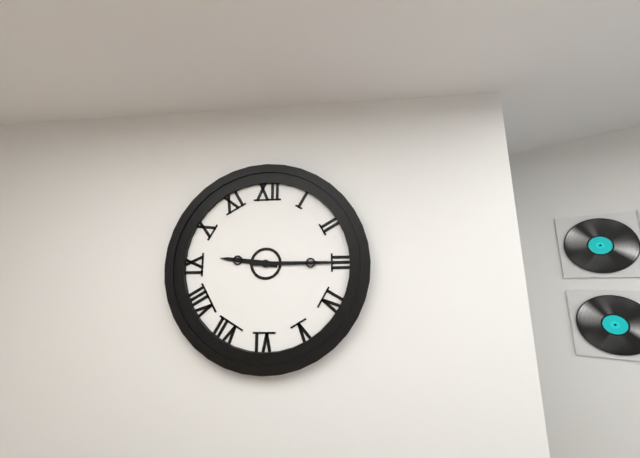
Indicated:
h=9 m=15
